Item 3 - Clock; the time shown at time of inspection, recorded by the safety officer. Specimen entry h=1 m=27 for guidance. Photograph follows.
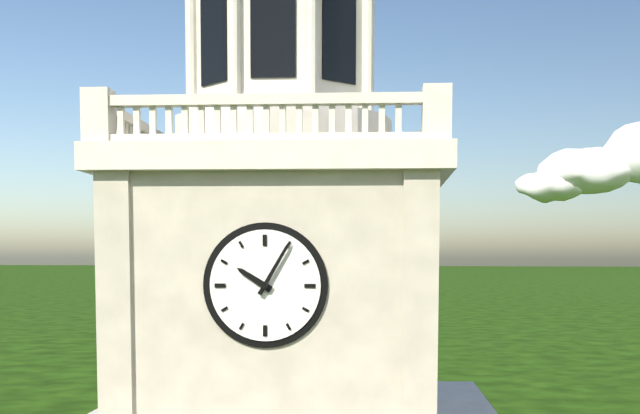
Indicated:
h=10 m=5
